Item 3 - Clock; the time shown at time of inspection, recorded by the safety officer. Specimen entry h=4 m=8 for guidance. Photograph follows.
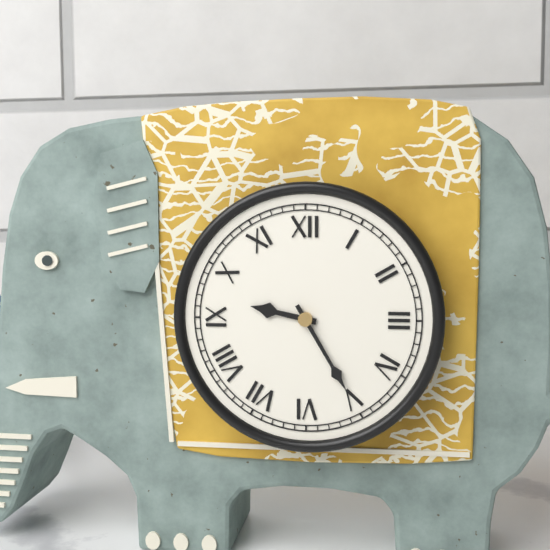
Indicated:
h=9 m=25
